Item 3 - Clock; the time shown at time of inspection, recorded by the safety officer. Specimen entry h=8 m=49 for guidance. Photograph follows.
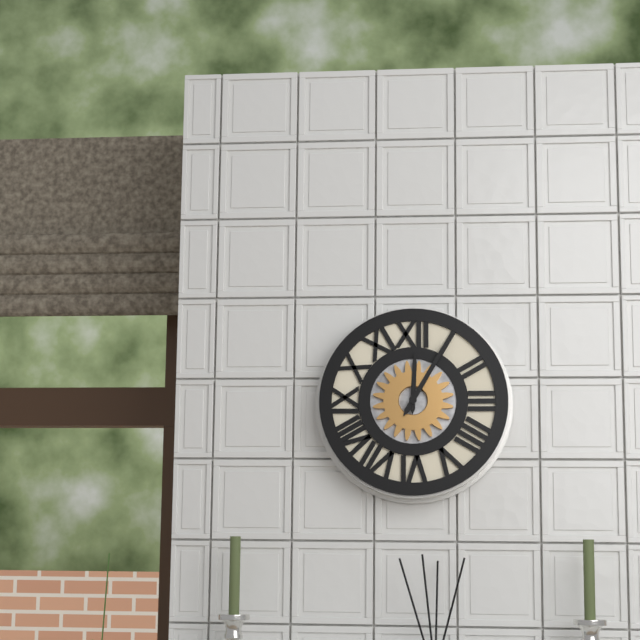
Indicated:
h=12 m=5
